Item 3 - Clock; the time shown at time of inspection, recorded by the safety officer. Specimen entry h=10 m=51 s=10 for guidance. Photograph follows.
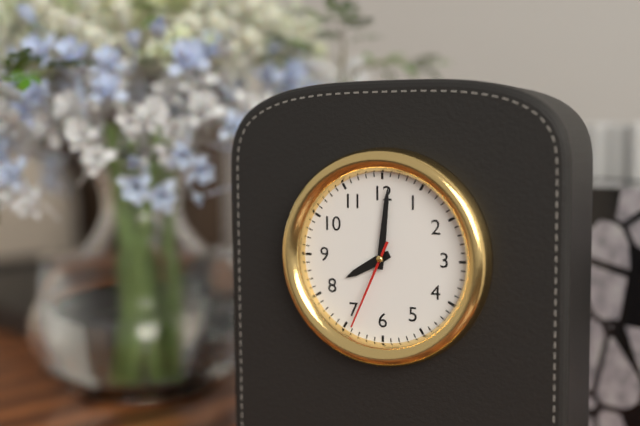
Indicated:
h=8 m=1 s=34
